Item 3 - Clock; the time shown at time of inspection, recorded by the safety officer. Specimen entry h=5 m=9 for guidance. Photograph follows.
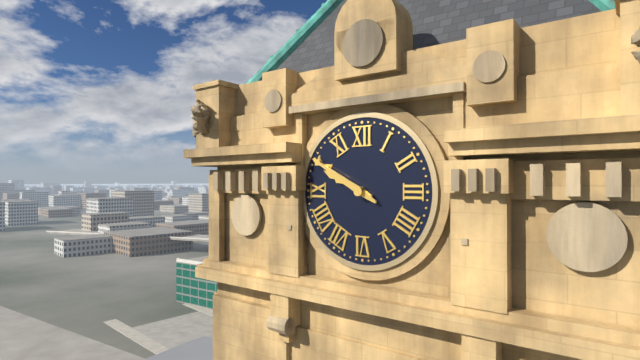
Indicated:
h=9 m=50
